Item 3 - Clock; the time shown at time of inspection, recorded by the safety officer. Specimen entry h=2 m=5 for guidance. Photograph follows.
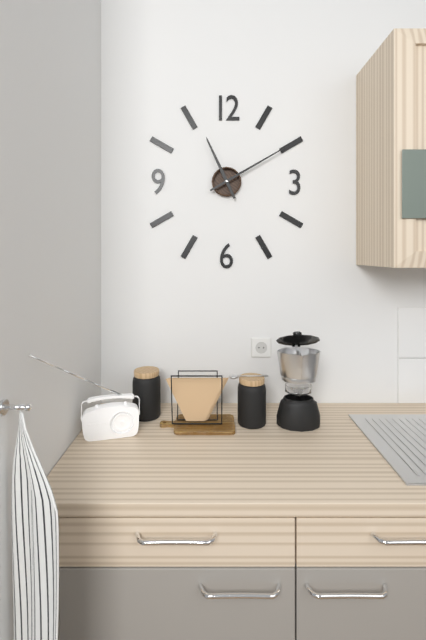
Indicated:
h=11 m=10
